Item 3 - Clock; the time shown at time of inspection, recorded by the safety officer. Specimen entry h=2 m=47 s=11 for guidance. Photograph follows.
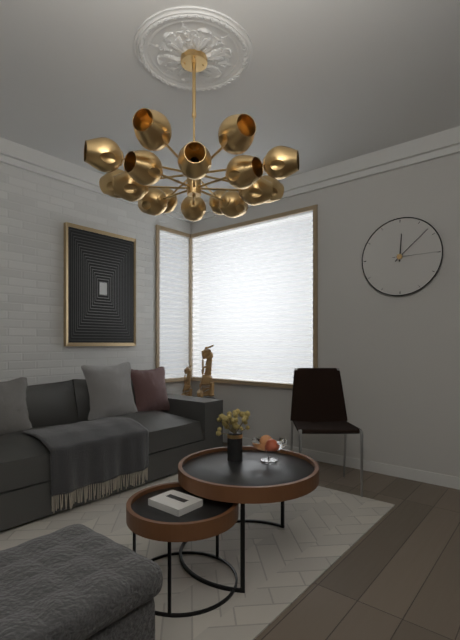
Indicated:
h=12 m=8 s=15
